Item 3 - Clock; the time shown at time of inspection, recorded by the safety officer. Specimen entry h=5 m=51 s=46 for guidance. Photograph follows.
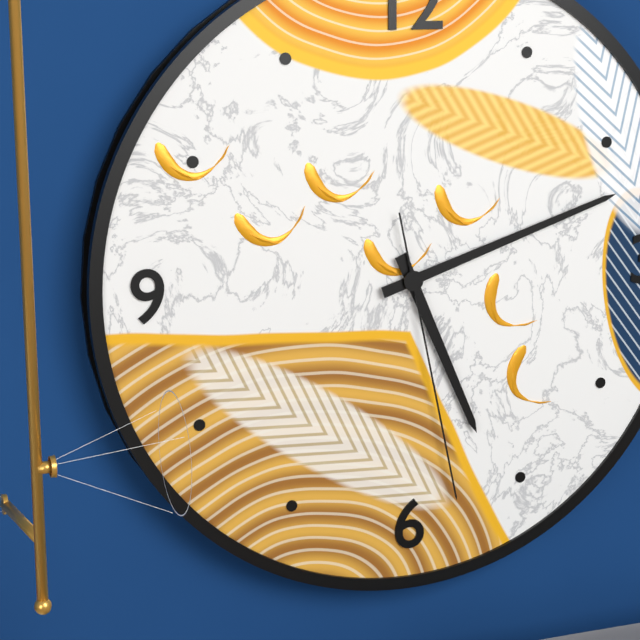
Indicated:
h=5 m=12 s=28
